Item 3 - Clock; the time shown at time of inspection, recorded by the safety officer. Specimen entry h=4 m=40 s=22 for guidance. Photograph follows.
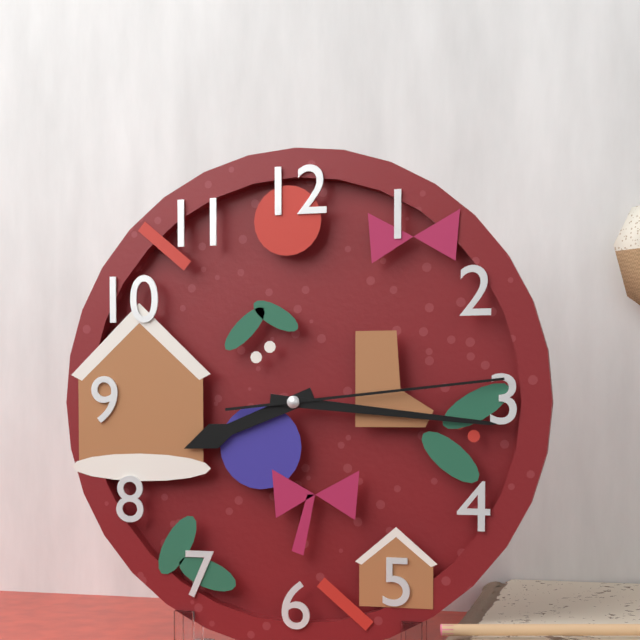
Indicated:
h=8 m=16 s=14
